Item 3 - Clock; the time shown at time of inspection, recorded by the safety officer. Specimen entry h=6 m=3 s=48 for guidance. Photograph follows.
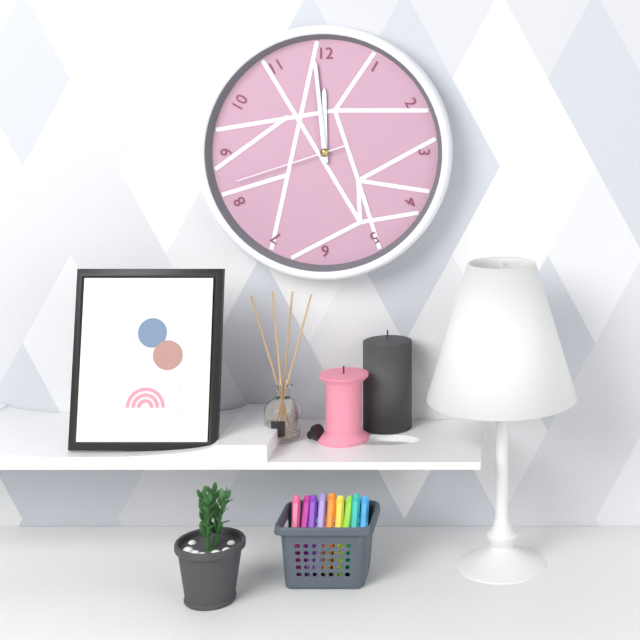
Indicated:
h=11 m=59 s=42
